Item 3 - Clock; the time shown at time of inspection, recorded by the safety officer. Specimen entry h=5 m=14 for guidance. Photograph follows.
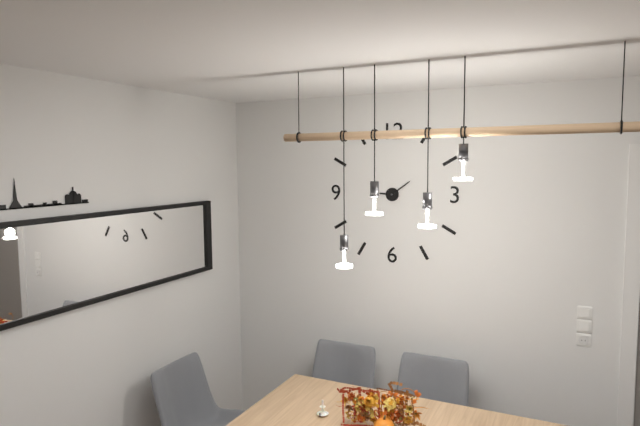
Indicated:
h=9 m=9
